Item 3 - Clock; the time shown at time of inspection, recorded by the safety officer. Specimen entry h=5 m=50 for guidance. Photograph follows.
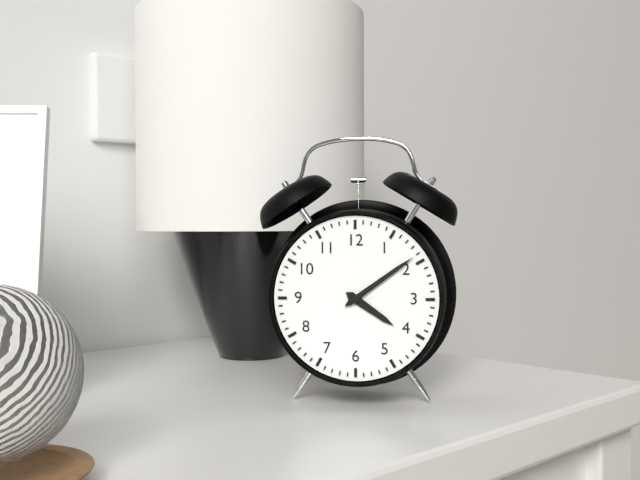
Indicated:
h=4 m=9
